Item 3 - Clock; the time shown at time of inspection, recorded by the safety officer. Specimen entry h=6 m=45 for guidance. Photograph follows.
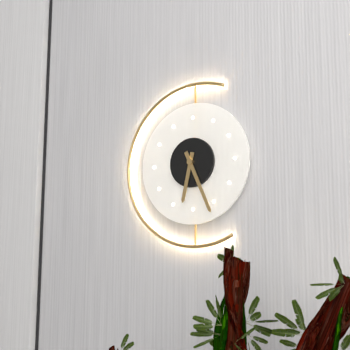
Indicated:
h=6 m=26
